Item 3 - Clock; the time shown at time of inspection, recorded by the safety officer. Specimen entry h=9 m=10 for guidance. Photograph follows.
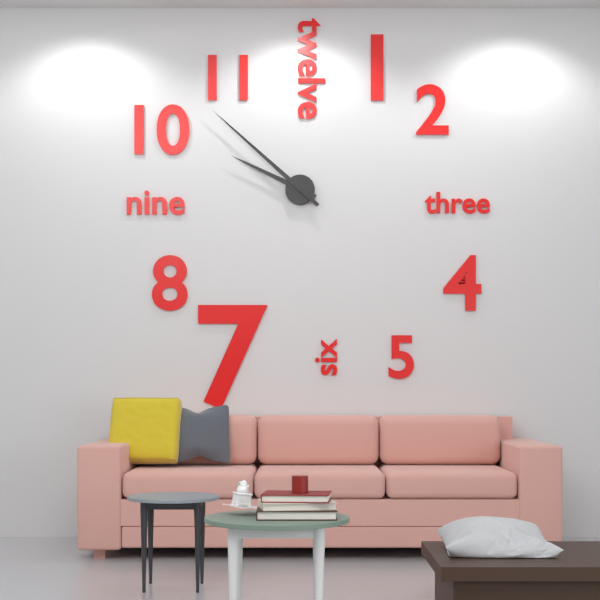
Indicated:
h=9 m=52
